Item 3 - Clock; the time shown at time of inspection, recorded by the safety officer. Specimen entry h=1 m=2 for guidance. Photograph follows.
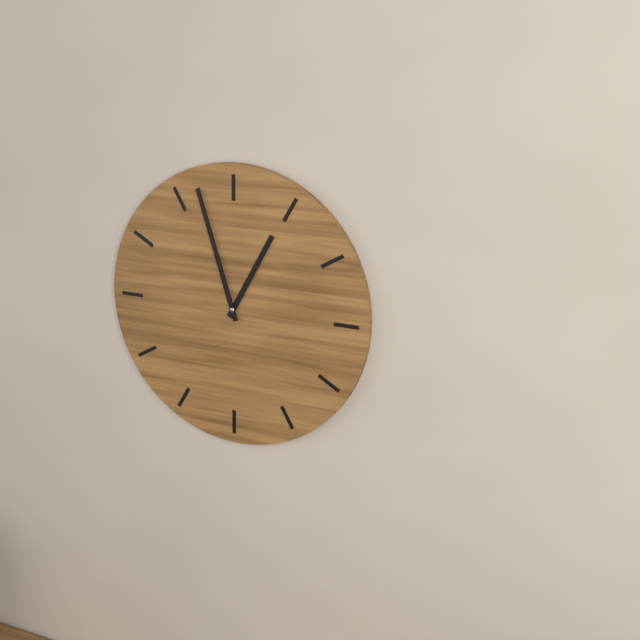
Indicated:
h=12 m=57
